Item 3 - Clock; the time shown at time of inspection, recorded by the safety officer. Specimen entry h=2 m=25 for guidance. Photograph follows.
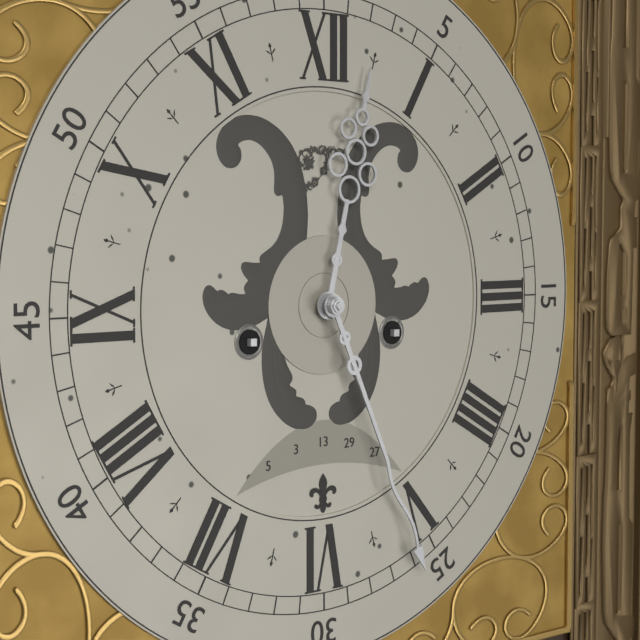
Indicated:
h=12 m=26
